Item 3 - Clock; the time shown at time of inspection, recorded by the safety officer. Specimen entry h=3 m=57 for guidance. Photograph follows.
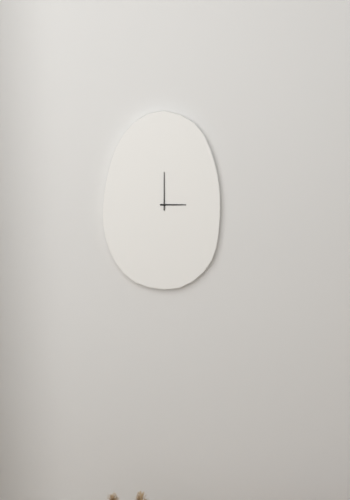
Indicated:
h=3 m=0
